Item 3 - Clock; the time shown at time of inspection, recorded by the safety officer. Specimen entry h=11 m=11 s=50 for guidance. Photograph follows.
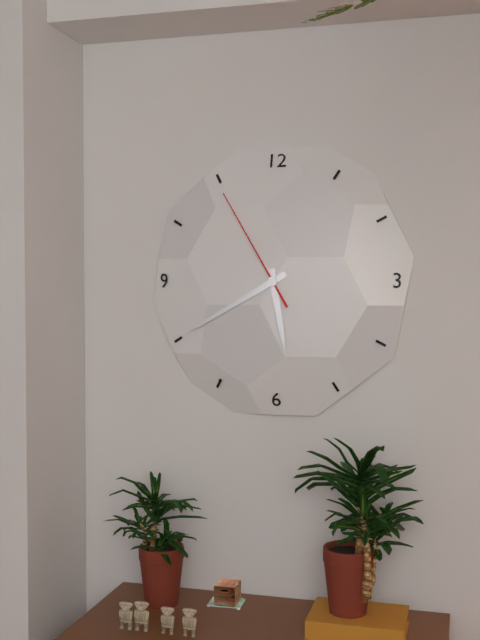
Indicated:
h=5 m=40 s=55
